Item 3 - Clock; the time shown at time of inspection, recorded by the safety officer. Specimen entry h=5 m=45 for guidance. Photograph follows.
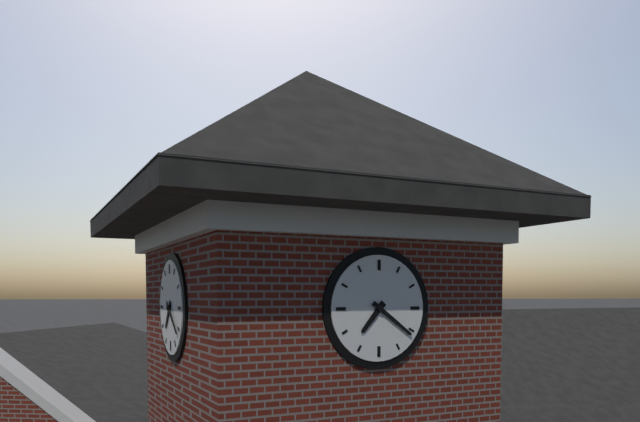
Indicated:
h=7 m=21
